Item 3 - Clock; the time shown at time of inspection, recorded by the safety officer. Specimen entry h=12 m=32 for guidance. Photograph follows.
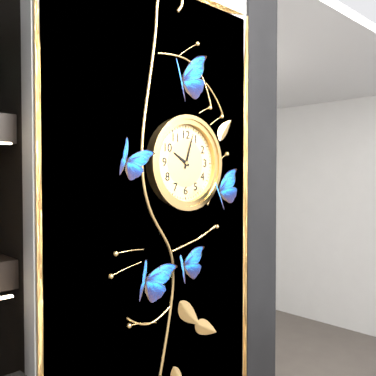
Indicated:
h=10 m=3
